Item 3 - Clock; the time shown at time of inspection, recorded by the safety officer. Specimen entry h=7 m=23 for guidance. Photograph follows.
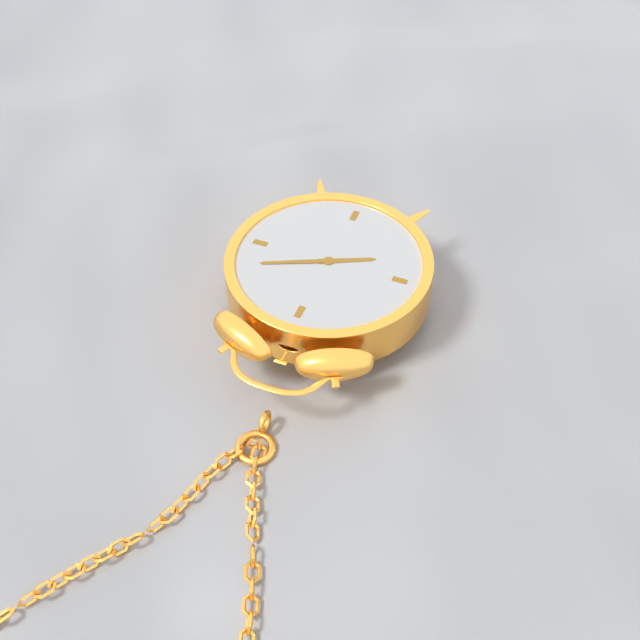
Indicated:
h=8 m=11
